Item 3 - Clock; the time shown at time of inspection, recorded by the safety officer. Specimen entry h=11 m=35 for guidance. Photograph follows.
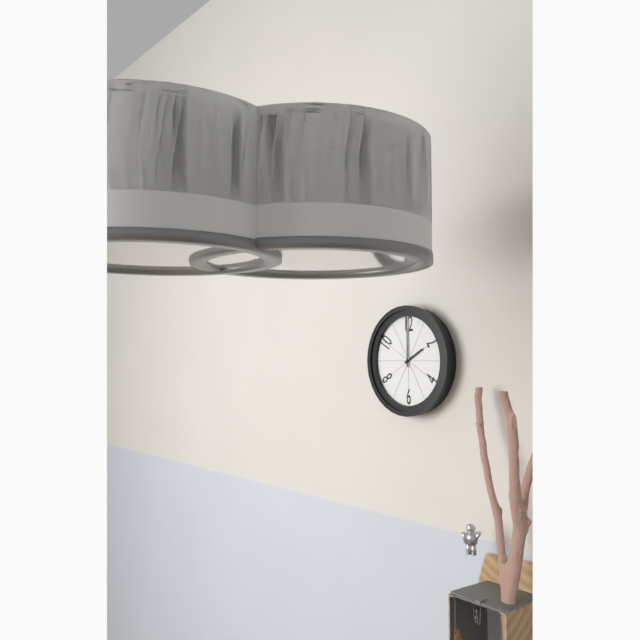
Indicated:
h=2 m=0
